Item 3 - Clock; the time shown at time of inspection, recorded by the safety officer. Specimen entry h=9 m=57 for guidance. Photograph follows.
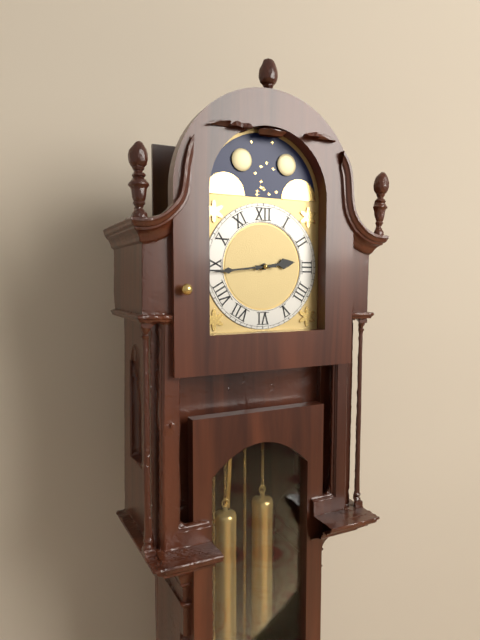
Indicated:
h=2 m=44
